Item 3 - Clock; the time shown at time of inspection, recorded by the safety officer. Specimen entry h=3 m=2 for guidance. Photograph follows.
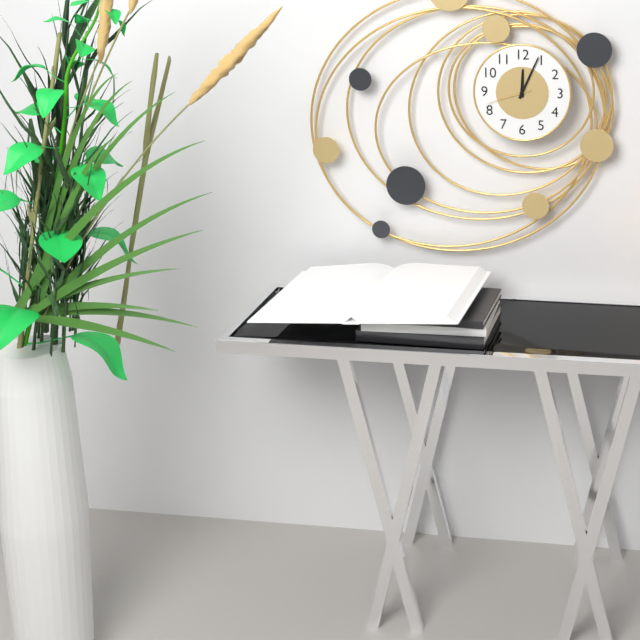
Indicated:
h=12 m=4
